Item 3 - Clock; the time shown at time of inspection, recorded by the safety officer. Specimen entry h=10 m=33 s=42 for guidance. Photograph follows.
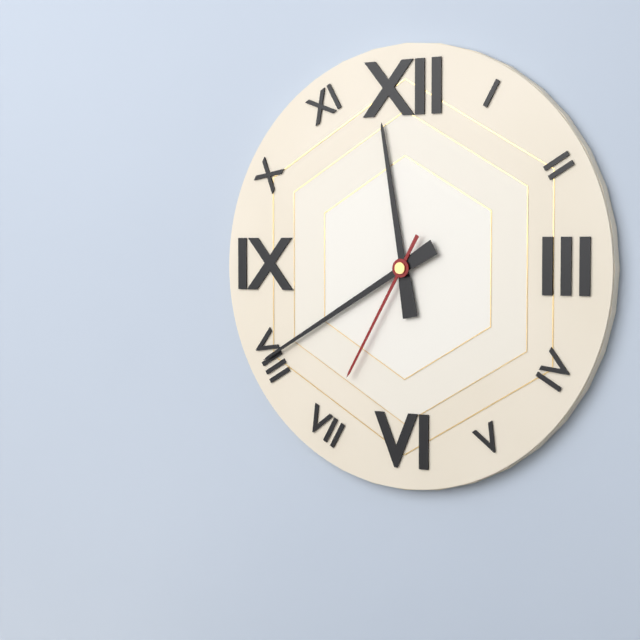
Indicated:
h=11 m=40 s=35
